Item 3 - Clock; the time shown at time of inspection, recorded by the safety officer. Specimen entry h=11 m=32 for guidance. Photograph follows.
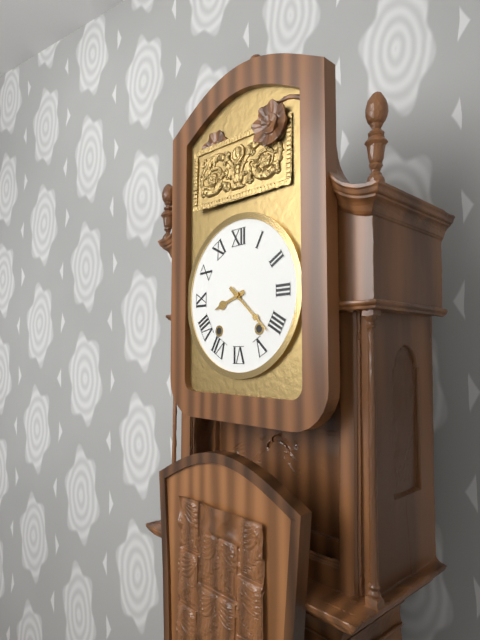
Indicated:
h=8 m=22
